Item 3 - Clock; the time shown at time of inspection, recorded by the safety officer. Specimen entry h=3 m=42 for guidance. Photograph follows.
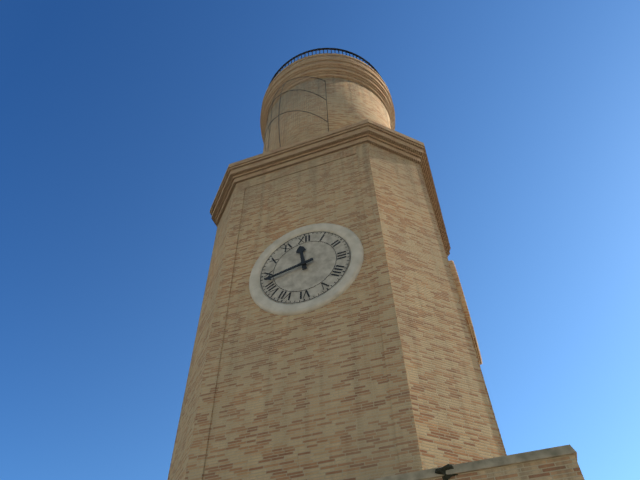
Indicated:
h=11 m=43
